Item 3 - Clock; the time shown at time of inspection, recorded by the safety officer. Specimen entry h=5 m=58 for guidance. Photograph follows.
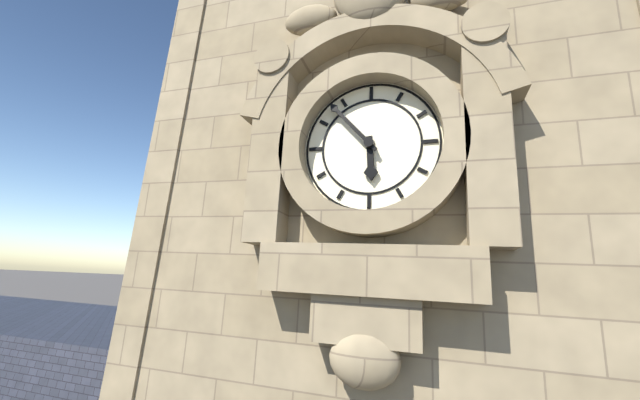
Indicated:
h=5 m=53
